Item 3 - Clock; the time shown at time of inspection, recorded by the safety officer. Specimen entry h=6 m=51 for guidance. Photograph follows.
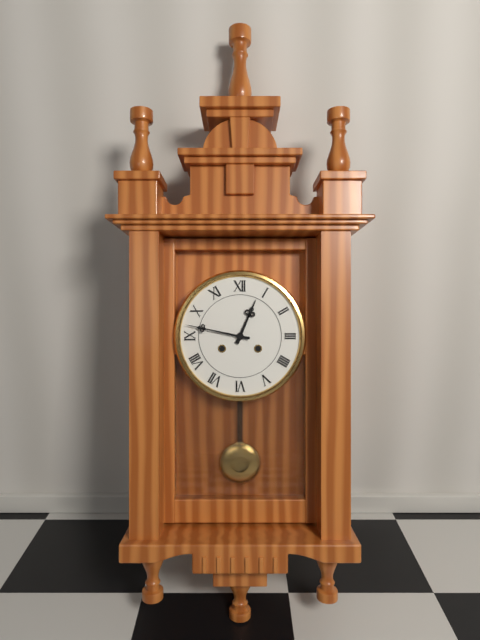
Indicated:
h=12 m=47
